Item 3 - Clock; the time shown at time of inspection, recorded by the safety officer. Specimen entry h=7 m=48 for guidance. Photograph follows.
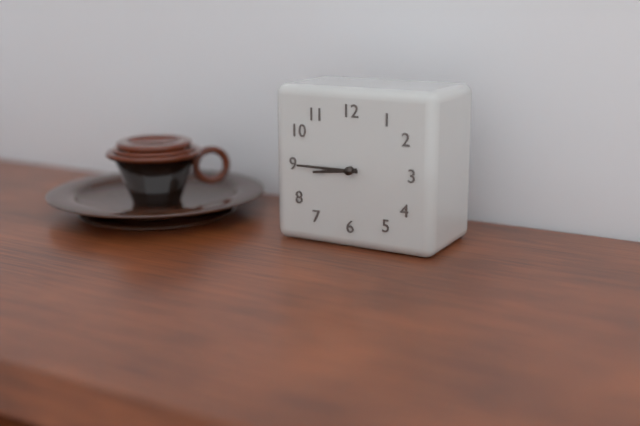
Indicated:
h=8 m=45
